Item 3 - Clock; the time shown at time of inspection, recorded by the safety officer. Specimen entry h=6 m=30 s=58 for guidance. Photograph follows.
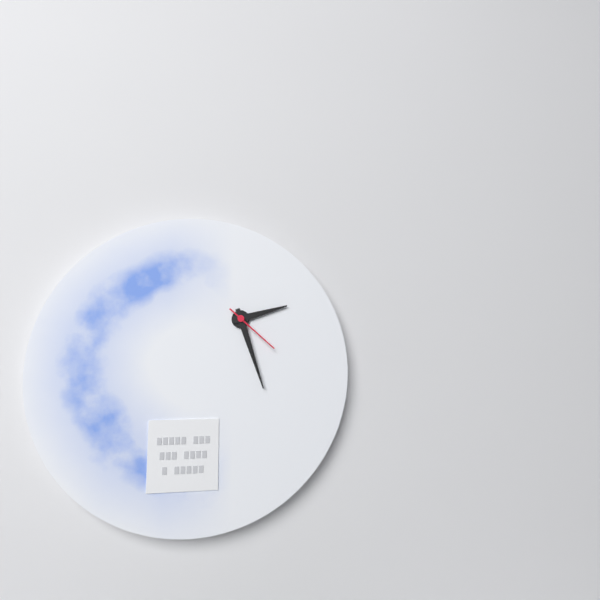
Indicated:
h=2 m=27 s=22
